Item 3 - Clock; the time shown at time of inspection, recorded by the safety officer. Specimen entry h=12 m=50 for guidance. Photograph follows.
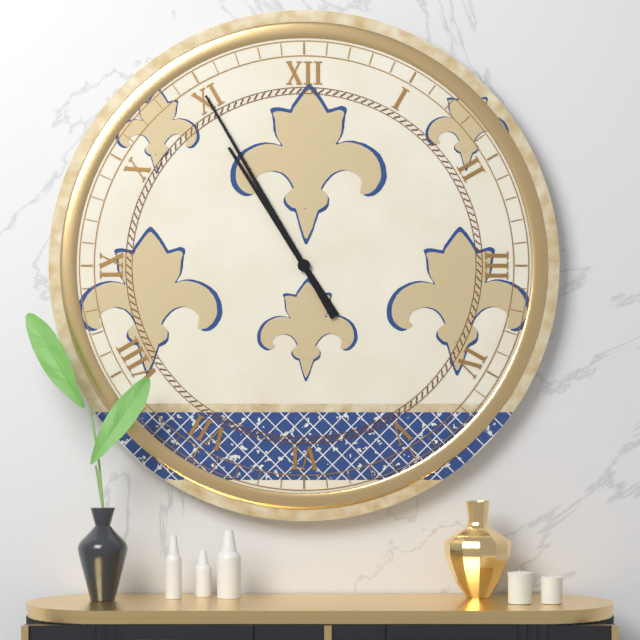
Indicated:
h=10 m=55
